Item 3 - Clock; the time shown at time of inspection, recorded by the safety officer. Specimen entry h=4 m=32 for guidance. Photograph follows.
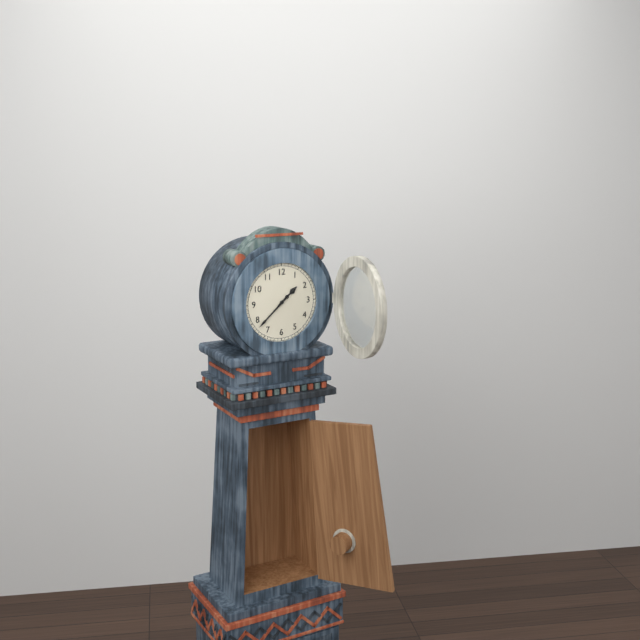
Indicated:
h=1 m=38
